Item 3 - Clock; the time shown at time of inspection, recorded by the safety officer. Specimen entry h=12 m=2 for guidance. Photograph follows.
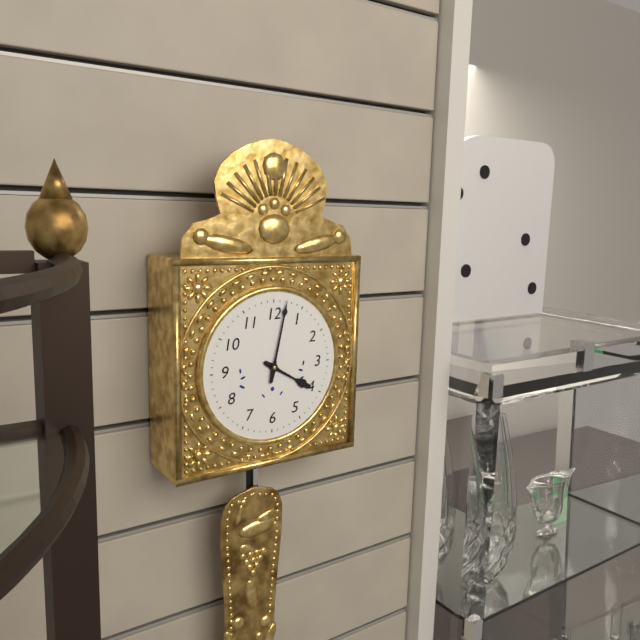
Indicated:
h=4 m=2
